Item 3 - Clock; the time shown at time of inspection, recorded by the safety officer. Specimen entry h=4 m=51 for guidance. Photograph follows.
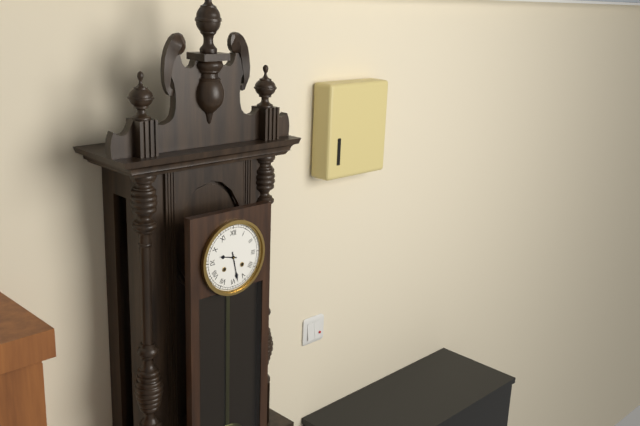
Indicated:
h=9 m=28
